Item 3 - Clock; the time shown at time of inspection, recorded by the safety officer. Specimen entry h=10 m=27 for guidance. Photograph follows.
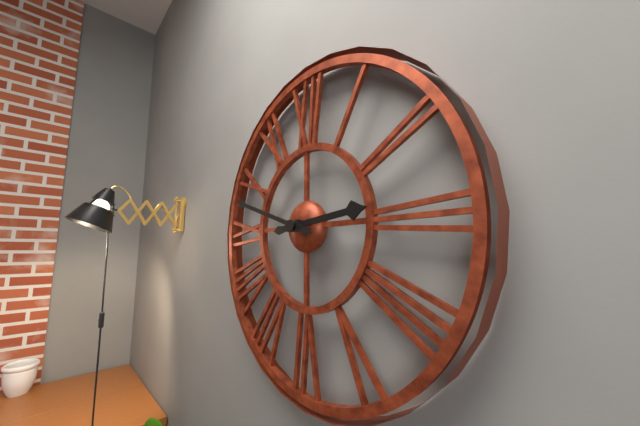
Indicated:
h=2 m=48
